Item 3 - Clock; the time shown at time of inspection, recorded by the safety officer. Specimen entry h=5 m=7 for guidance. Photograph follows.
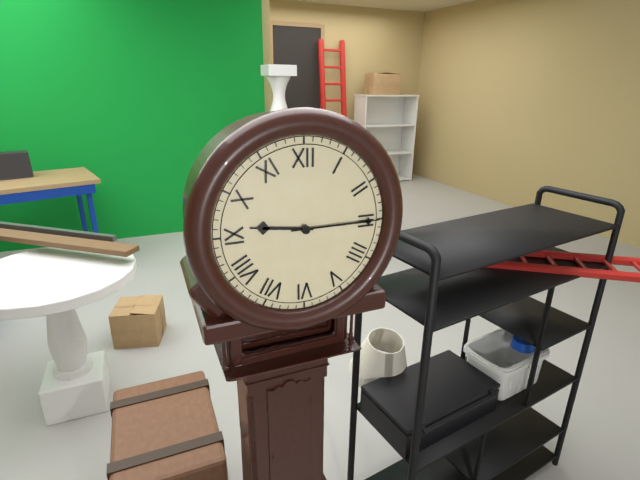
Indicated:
h=9 m=15
